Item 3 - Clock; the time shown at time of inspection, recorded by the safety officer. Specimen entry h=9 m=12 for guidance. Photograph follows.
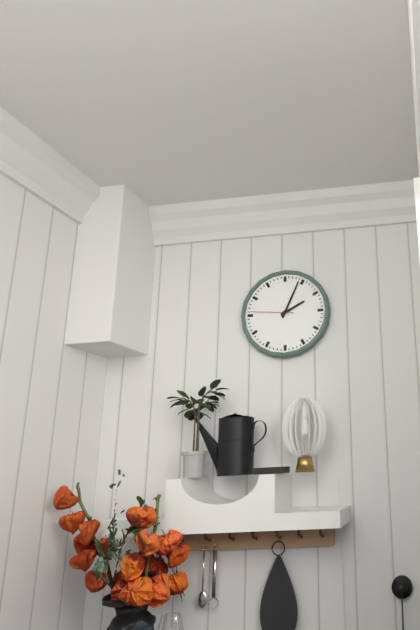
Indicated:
h=2 m=4
